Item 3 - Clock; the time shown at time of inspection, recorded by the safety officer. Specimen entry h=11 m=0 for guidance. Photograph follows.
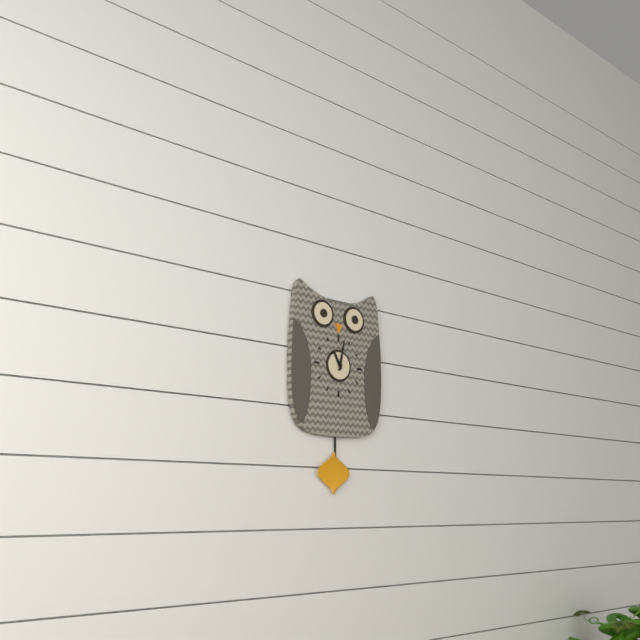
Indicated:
h=11 m=2
